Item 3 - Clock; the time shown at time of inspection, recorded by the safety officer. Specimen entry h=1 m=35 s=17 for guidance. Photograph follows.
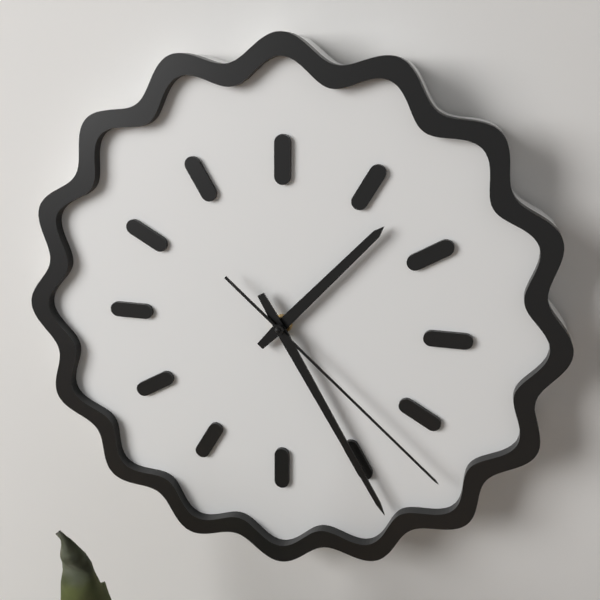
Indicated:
h=1 m=25 s=22
